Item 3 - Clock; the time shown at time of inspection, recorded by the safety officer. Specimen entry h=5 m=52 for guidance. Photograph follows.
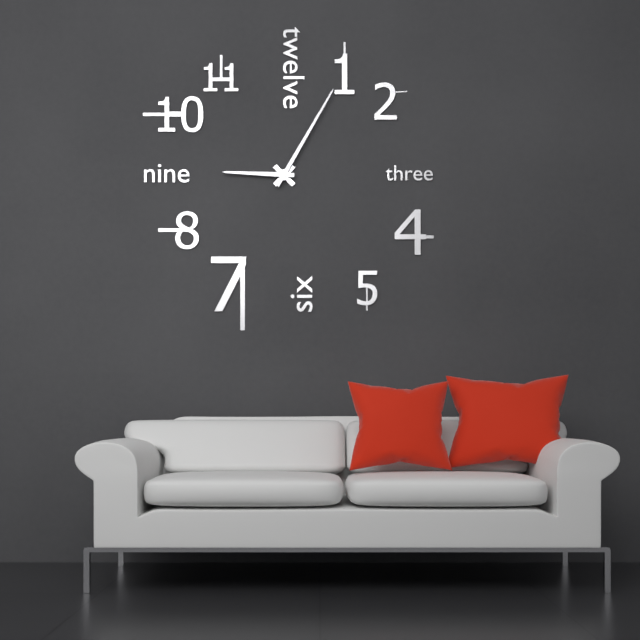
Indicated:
h=9 m=5
